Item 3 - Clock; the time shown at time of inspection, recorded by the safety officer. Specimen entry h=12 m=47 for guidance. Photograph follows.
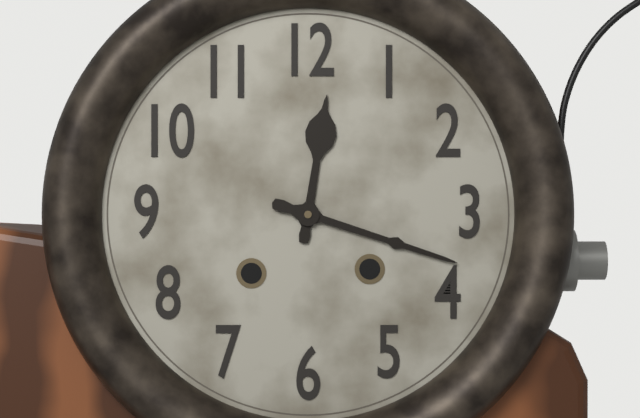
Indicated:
h=12 m=18
